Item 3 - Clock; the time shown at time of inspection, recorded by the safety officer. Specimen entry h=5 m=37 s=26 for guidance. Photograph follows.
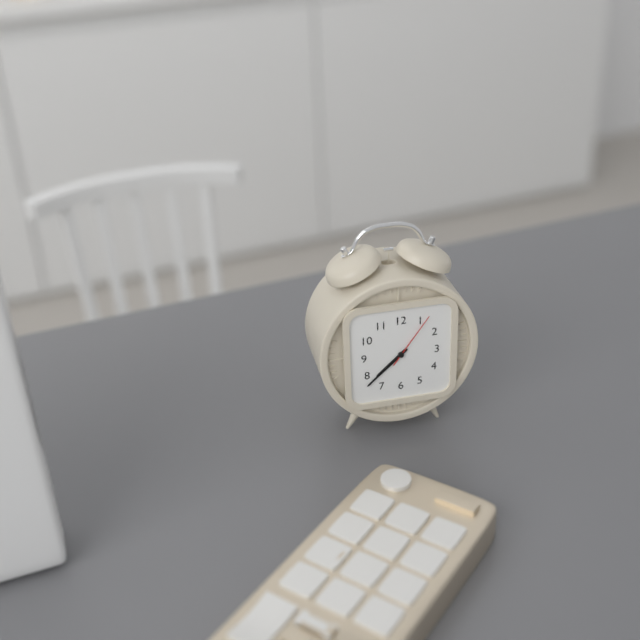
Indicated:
h=7 m=38 s=6
